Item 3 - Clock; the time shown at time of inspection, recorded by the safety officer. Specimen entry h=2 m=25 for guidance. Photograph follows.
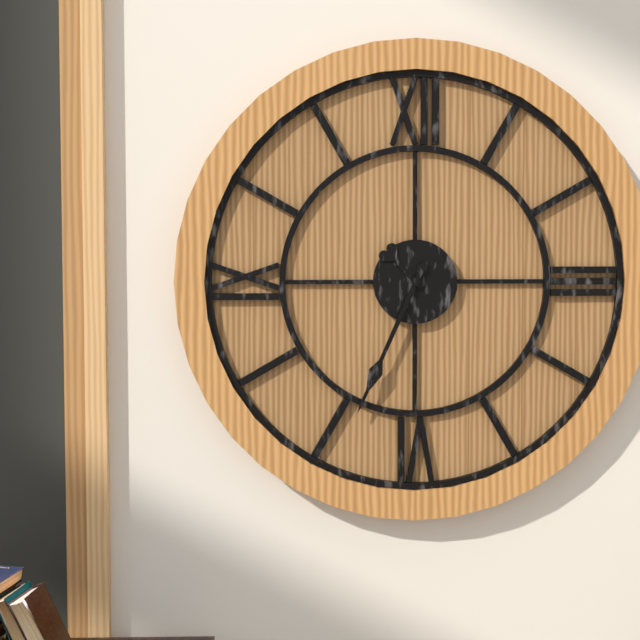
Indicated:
h=10 m=34
